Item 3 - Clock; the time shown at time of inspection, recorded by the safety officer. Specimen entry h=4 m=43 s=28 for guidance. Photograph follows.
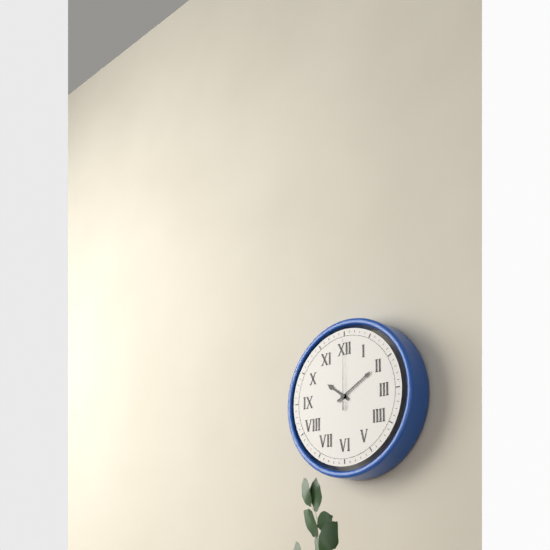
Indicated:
h=10 m=10 s=0
